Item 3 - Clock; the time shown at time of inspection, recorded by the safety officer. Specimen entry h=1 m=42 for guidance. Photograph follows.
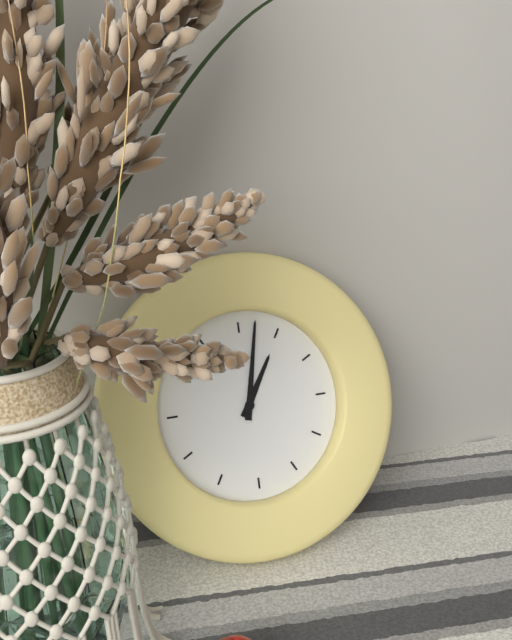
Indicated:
h=1 m=2
